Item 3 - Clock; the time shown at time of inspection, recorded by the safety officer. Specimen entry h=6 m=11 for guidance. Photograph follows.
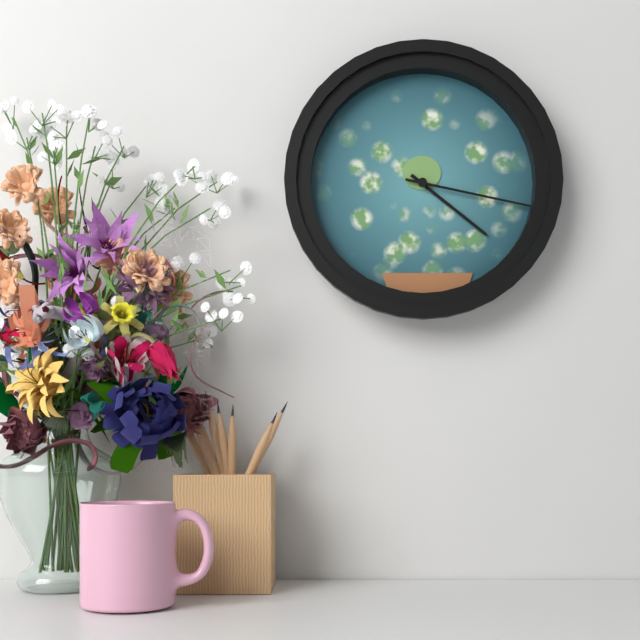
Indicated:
h=4 m=17
